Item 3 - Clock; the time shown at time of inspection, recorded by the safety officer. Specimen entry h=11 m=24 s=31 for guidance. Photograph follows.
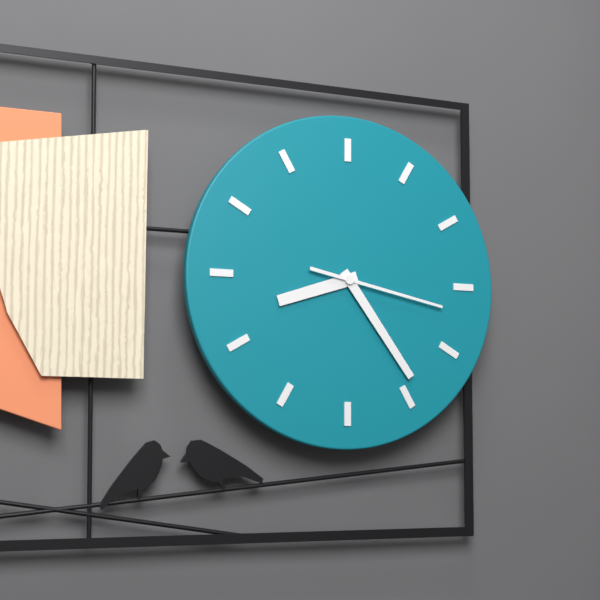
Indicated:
h=8 m=24 s=17
